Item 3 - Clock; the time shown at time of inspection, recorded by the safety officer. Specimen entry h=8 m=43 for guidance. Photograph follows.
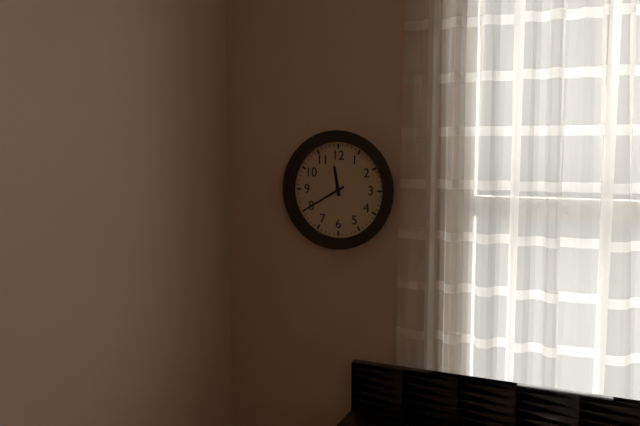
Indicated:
h=11 m=40
